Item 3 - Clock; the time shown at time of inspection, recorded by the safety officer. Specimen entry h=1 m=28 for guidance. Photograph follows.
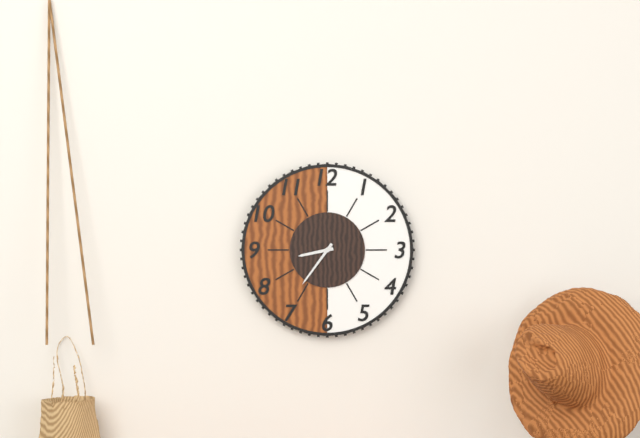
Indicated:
h=8 m=36
